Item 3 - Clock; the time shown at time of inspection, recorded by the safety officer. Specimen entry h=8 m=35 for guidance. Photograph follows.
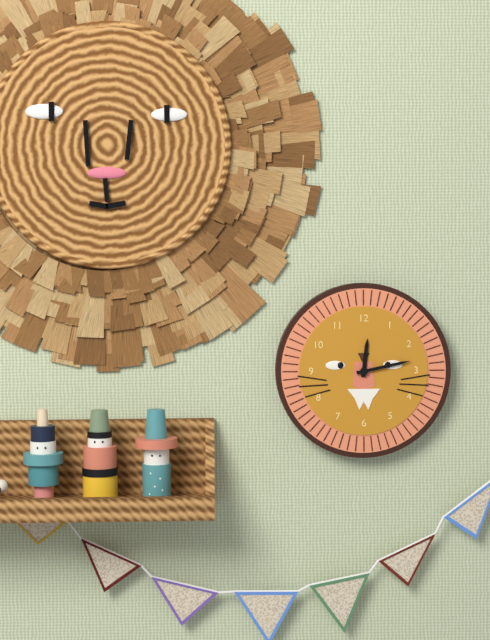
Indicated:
h=12 m=13
